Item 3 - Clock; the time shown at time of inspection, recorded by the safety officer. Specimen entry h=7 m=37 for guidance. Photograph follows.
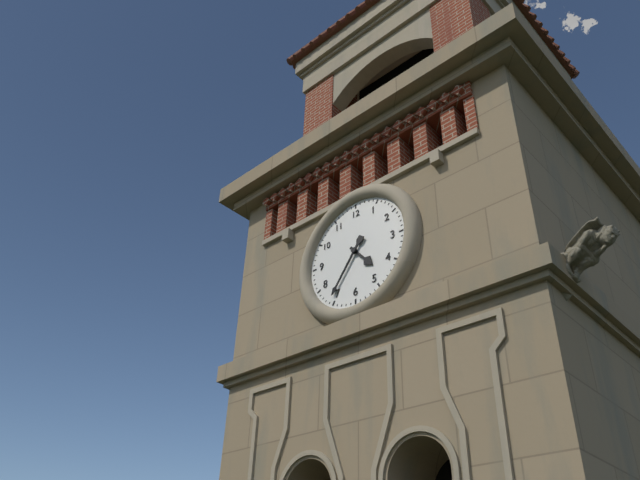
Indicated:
h=4 m=36
